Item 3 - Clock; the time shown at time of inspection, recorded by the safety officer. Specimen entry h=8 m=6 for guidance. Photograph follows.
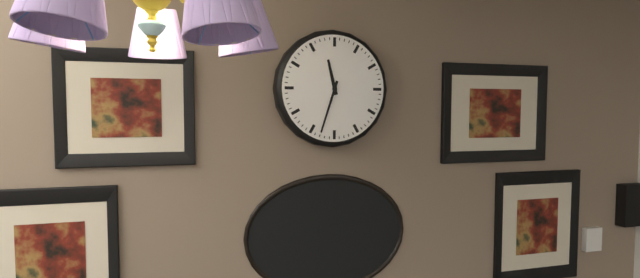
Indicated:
h=11 m=33
